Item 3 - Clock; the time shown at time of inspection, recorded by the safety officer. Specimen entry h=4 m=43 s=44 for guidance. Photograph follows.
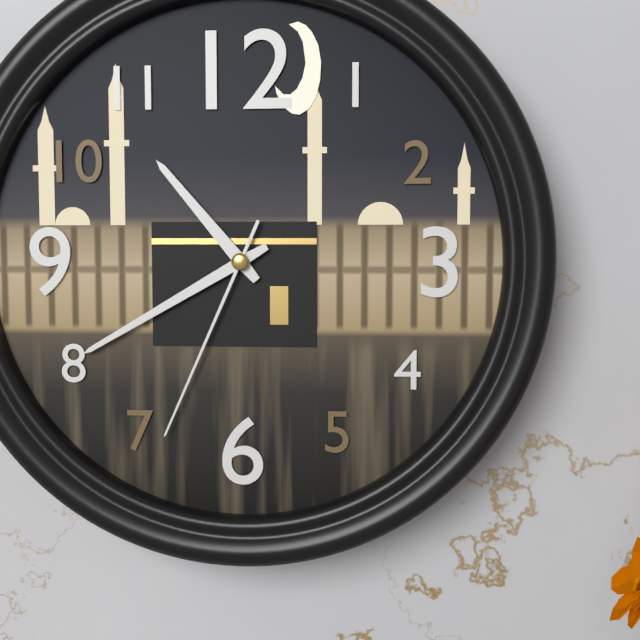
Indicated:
h=10 m=40 s=34
